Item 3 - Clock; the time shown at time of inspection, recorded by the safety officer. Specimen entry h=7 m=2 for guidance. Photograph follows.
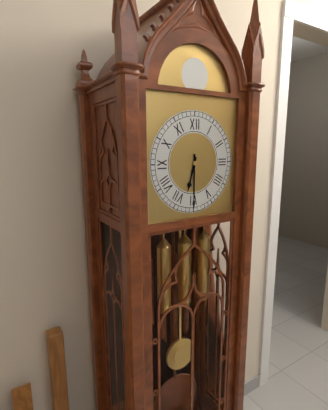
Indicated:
h=6 m=30
